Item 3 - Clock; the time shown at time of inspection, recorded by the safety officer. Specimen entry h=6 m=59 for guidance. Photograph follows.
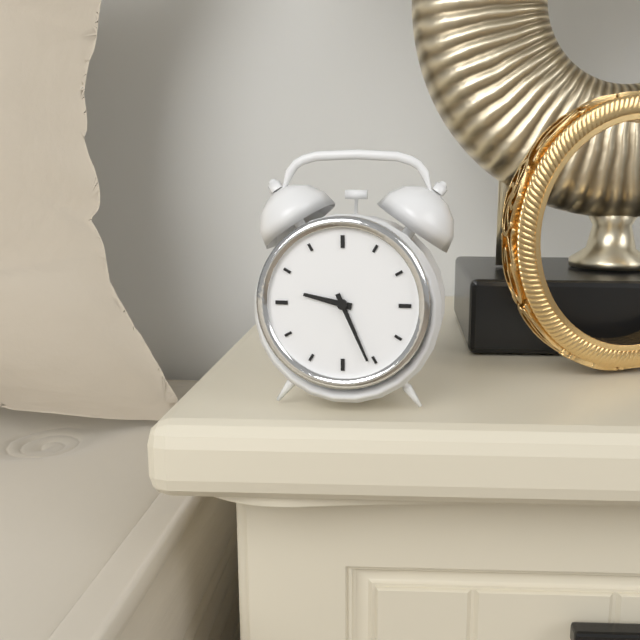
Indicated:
h=9 m=26
